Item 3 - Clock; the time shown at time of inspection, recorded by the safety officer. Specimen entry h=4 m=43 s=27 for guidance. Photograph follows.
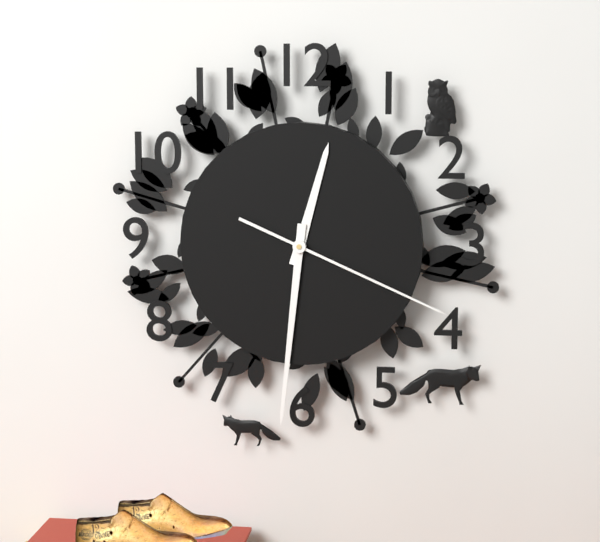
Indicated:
h=12 m=31 s=19
